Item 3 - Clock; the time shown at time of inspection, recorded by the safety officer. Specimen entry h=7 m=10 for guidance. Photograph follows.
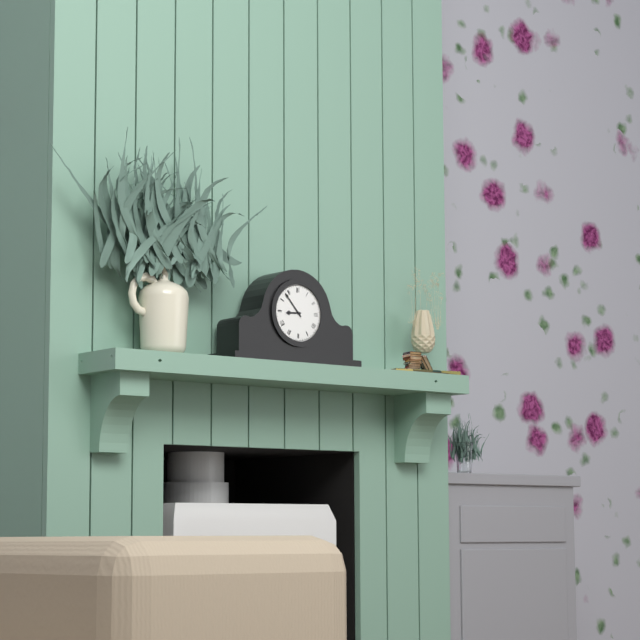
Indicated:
h=8 m=53
